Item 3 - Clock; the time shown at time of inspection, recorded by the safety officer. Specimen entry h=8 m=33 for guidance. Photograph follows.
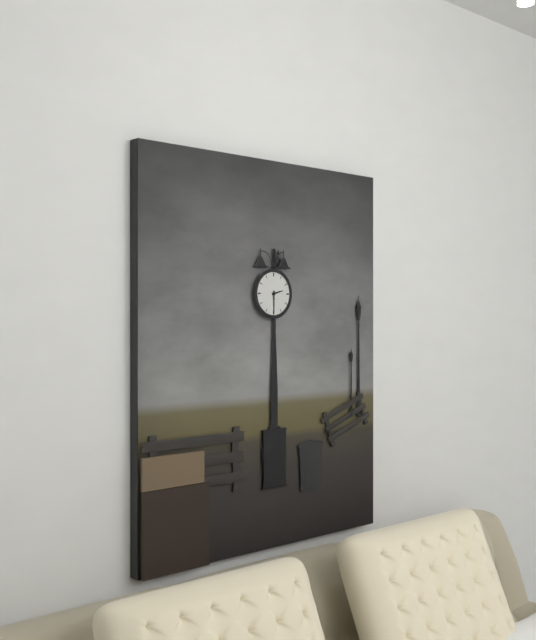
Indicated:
h=2 m=30
